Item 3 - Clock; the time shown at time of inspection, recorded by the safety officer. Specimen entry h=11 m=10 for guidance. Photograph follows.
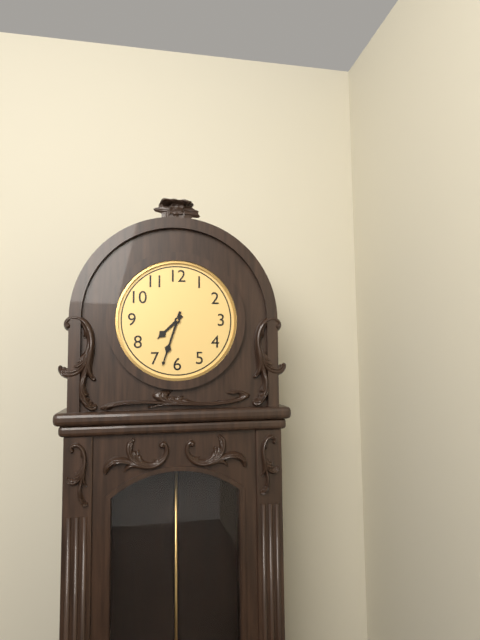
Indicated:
h=7 m=33
